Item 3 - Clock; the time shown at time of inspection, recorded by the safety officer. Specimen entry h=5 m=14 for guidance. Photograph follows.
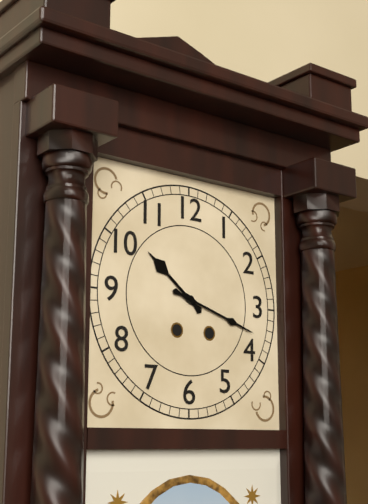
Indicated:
h=10 m=18
